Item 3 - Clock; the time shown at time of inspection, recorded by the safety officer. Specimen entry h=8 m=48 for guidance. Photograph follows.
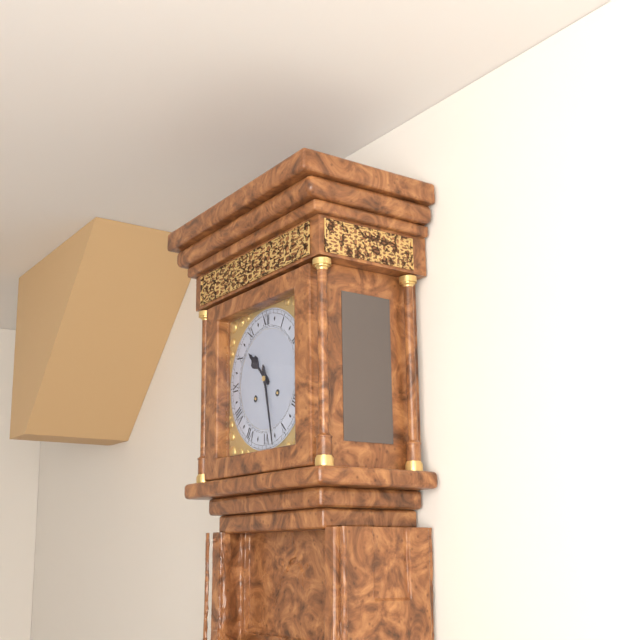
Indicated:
h=10 m=28
